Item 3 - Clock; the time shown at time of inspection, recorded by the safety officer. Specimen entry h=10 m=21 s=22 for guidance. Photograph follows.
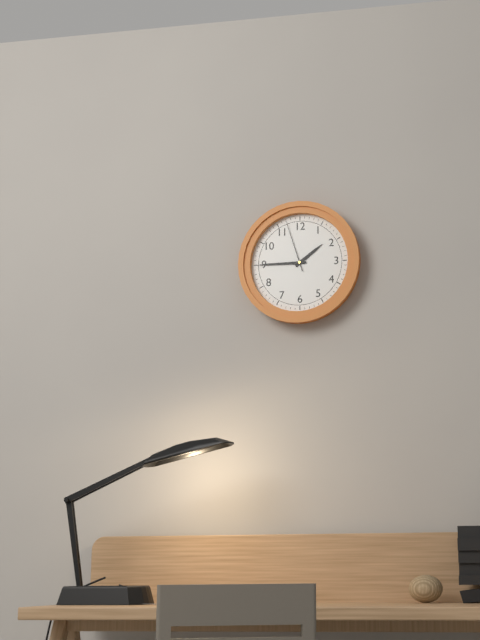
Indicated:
h=1 m=45 s=57
